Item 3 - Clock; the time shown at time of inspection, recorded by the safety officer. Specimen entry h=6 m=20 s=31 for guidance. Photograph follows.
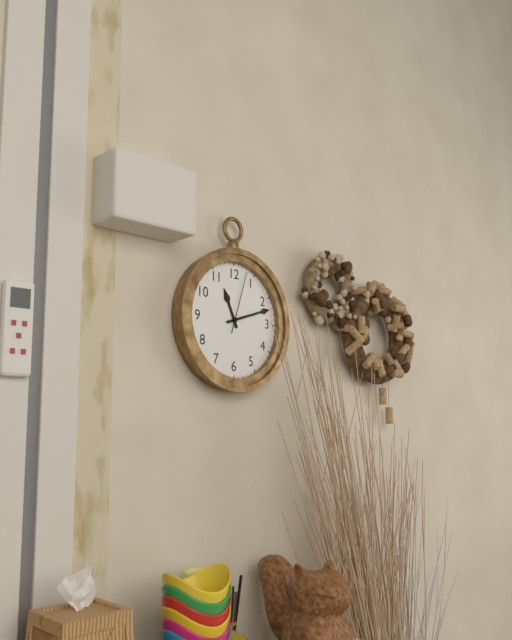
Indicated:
h=11 m=12 s=3
